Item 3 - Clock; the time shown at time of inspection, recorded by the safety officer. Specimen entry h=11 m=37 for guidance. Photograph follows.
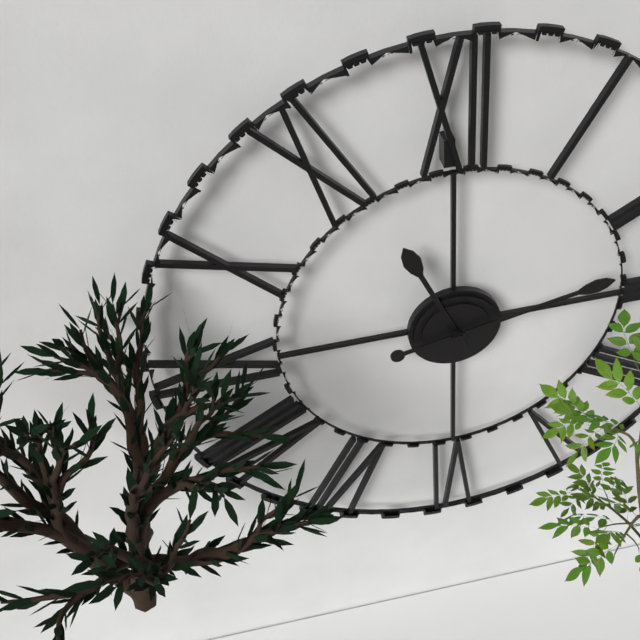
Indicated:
h=11 m=13
